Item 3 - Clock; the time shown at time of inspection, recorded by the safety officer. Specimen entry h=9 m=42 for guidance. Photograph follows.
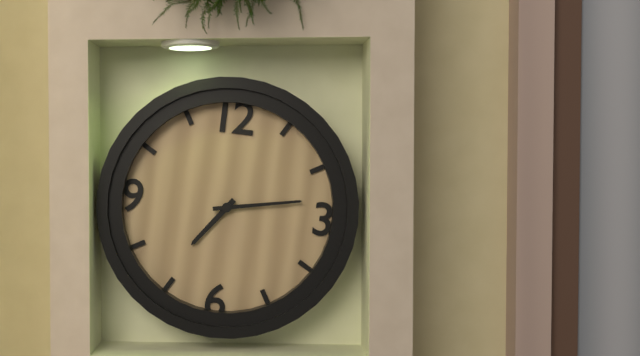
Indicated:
h=7 m=13
